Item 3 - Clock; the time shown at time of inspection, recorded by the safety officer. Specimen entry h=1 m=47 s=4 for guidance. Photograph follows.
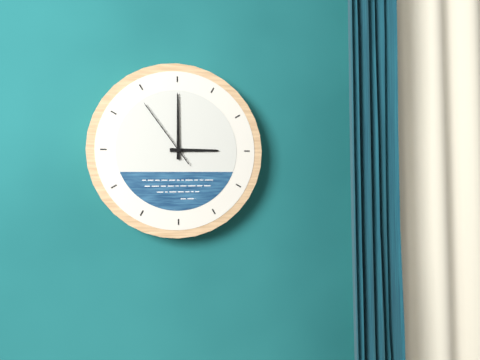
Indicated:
h=3 m=0 s=54
